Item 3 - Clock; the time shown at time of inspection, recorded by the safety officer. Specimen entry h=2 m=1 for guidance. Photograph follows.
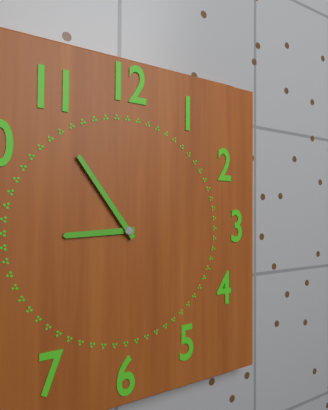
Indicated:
h=8 m=54
